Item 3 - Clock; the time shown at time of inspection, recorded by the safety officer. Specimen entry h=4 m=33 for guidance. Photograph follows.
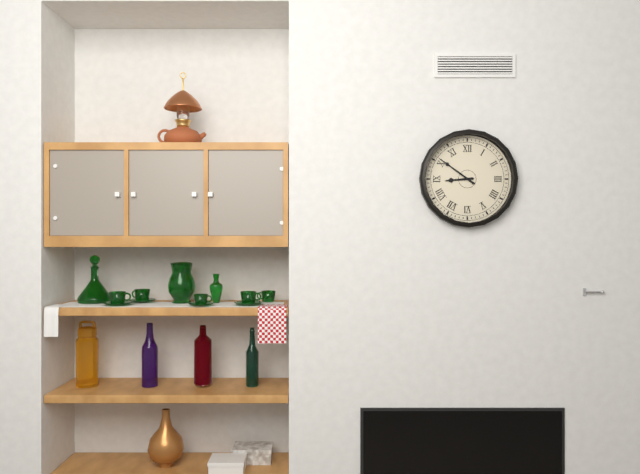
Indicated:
h=8 m=51
